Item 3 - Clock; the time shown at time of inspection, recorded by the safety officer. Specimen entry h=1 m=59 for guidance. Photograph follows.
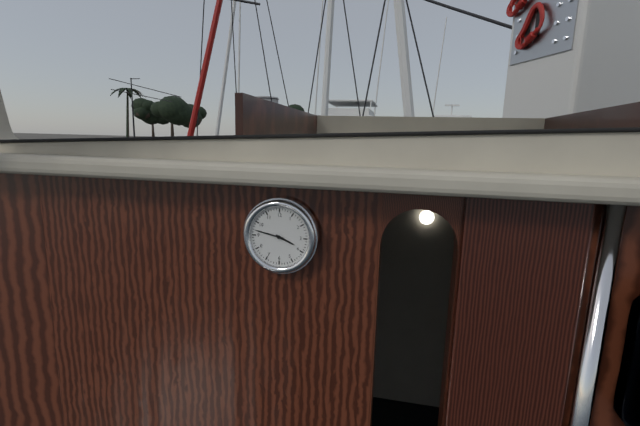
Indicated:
h=3 m=47
